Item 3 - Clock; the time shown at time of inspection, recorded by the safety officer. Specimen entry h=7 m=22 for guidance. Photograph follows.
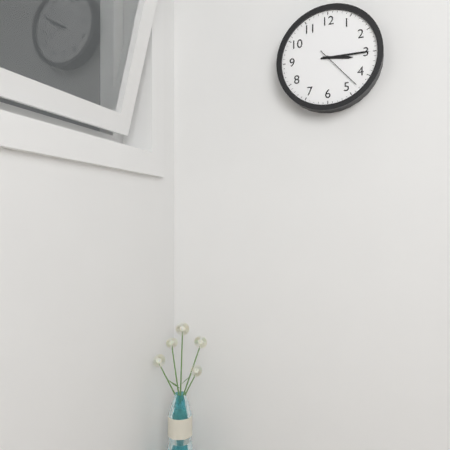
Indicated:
h=3 m=15
